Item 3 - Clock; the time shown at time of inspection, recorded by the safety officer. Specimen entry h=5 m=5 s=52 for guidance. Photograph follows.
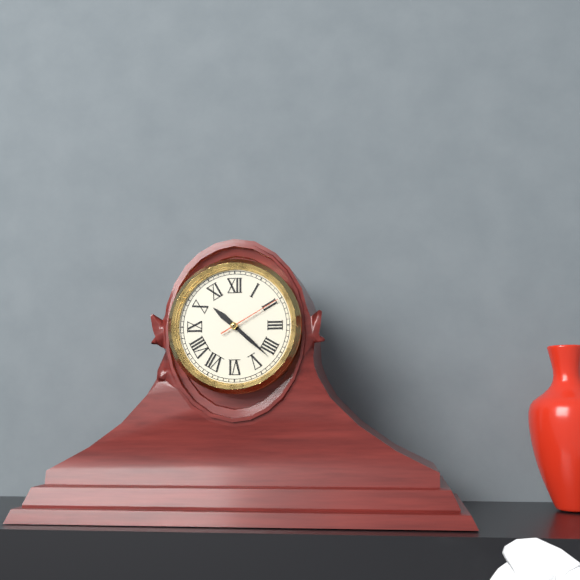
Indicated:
h=10 m=22 s=10
